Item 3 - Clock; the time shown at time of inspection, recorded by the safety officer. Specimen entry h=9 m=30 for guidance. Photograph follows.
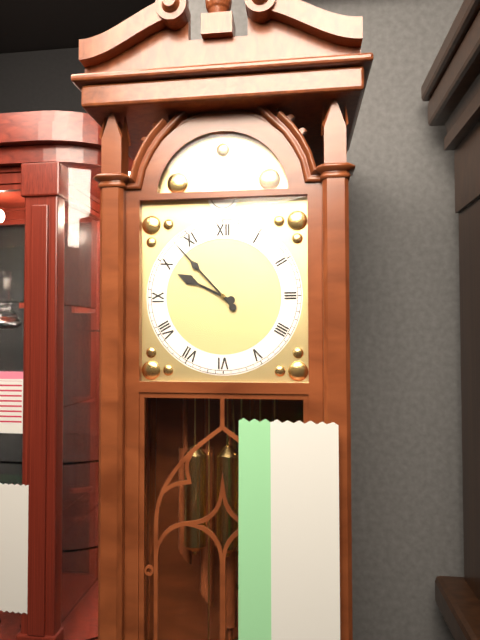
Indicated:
h=9 m=53
